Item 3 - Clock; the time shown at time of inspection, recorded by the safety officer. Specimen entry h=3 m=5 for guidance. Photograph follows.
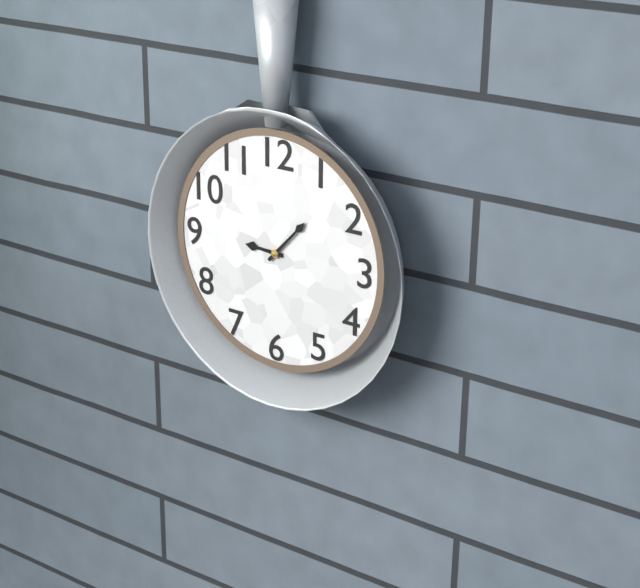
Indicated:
h=9 m=7
